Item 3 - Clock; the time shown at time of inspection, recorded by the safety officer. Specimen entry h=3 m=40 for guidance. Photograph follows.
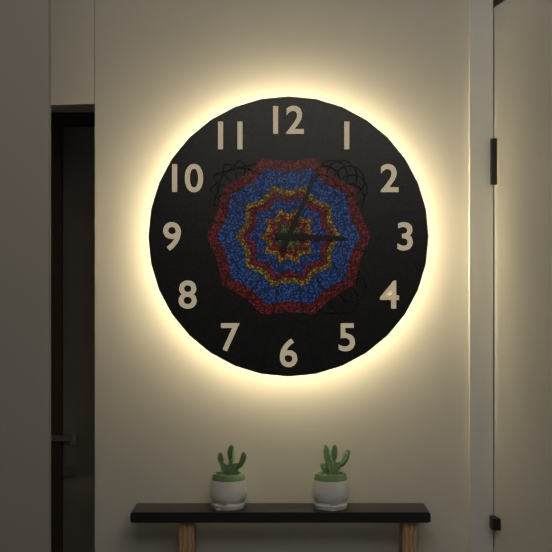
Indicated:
h=3 m=4
